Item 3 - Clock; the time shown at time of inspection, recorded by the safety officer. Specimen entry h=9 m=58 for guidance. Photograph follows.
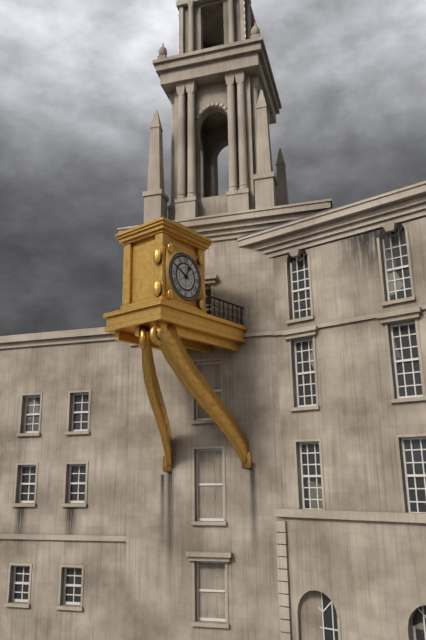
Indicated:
h=12 m=49
